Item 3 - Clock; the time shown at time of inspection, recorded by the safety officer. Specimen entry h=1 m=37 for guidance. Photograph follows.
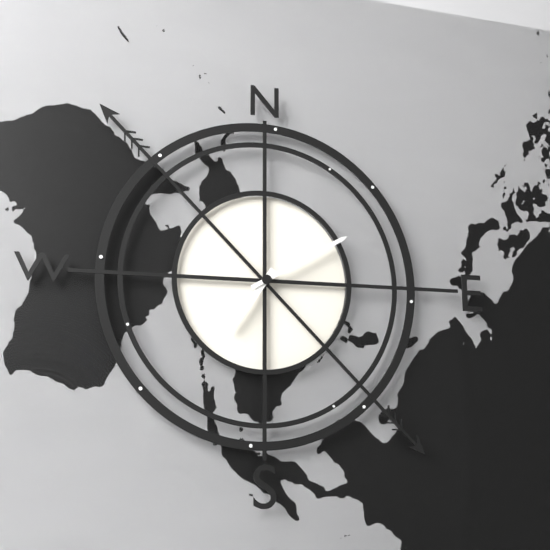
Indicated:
h=7 m=10
